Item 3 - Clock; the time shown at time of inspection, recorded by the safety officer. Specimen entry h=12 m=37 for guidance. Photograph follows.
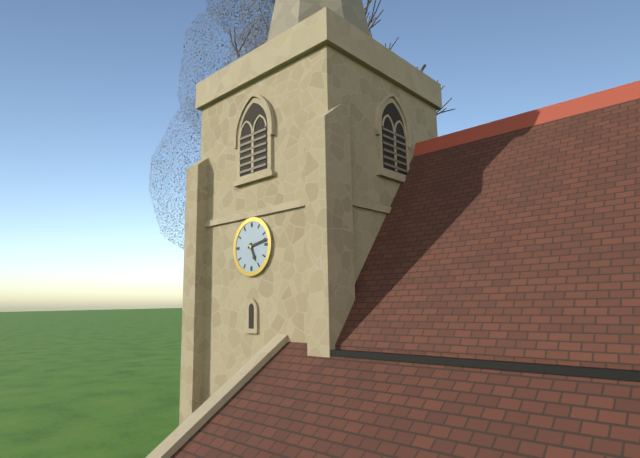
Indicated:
h=5 m=13
